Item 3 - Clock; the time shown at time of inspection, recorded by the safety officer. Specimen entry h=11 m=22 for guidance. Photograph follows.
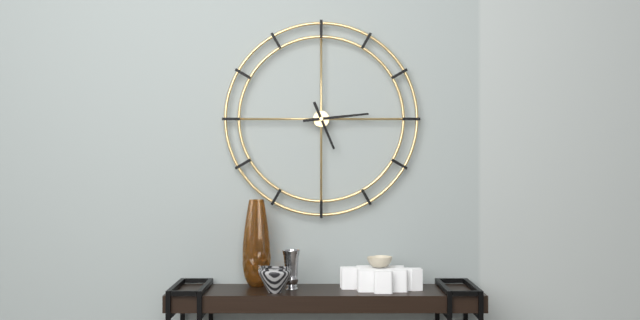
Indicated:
h=5 m=14
